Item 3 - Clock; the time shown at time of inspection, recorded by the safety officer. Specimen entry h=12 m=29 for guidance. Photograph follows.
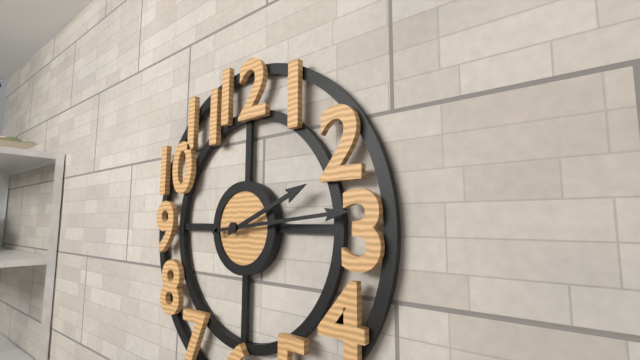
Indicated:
h=2 m=14
